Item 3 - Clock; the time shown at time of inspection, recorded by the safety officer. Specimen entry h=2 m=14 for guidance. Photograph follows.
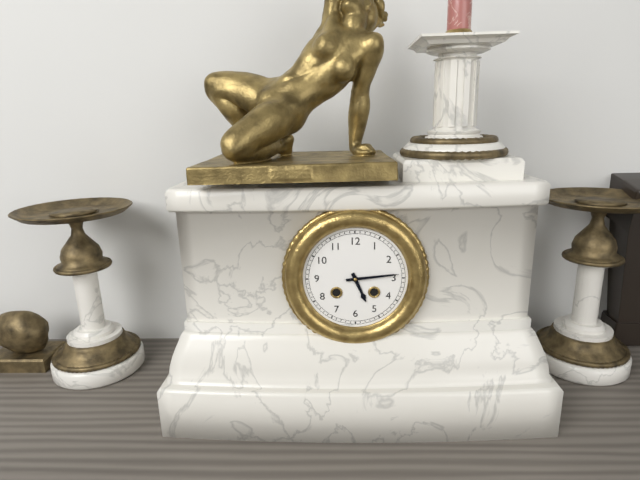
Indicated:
h=5 m=14
